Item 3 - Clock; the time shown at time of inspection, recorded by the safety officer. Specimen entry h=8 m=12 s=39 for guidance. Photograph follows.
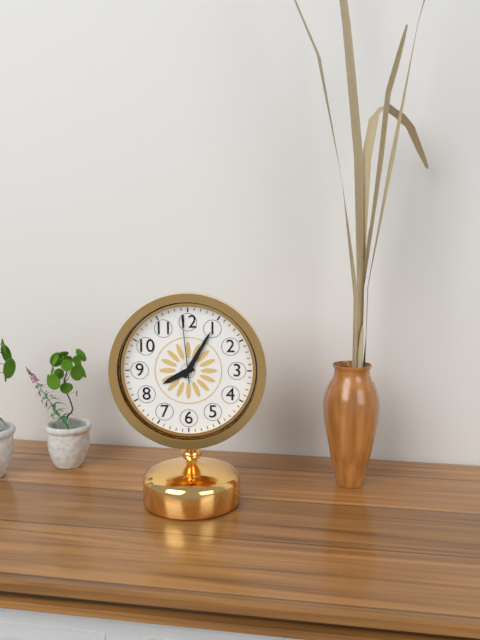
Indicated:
h=8 m=5 s=59
